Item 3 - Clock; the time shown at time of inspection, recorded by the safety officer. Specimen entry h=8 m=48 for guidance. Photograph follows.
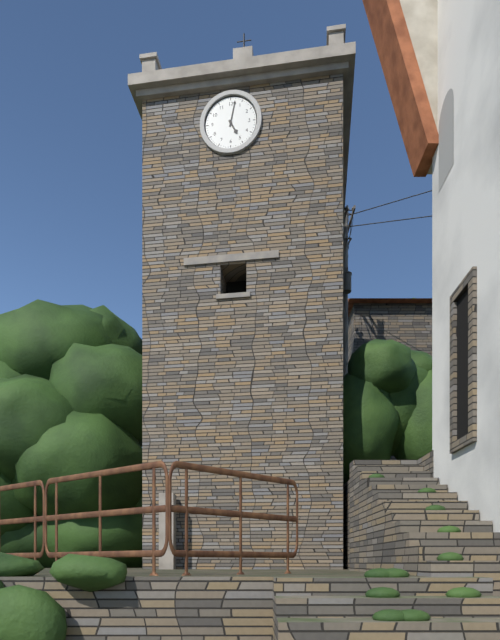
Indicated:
h=5 m=2
